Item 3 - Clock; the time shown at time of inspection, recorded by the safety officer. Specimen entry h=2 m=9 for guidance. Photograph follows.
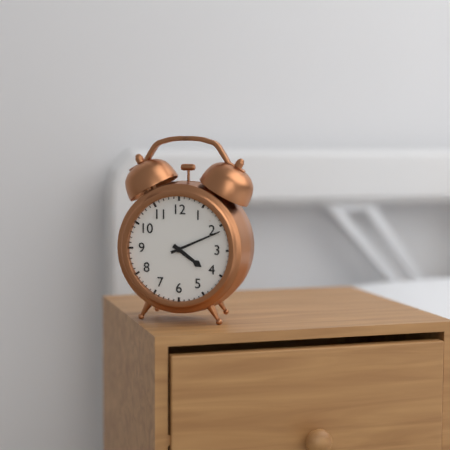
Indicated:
h=4 m=11
